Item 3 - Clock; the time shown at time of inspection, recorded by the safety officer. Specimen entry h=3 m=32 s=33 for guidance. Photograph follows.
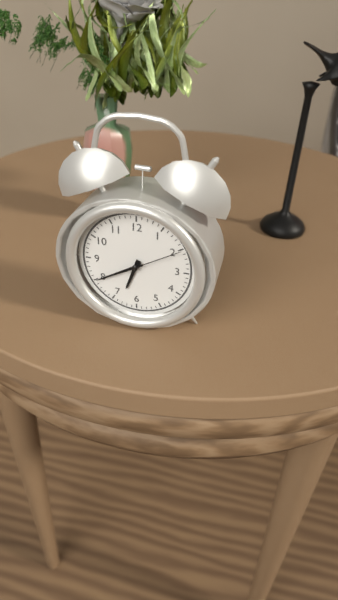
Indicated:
h=6 m=40 s=10
